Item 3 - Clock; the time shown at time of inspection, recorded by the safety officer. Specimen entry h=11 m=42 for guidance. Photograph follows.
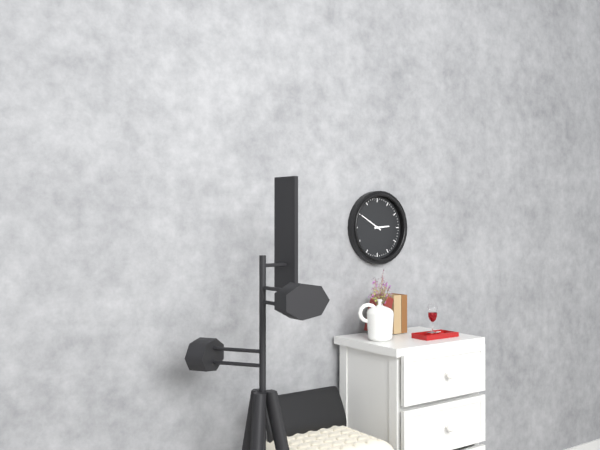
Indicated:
h=2 m=50
